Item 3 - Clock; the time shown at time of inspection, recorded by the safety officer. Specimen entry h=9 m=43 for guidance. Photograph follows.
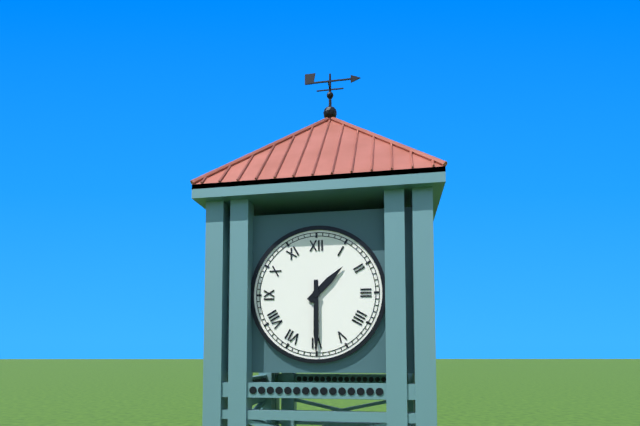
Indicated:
h=1 m=30
